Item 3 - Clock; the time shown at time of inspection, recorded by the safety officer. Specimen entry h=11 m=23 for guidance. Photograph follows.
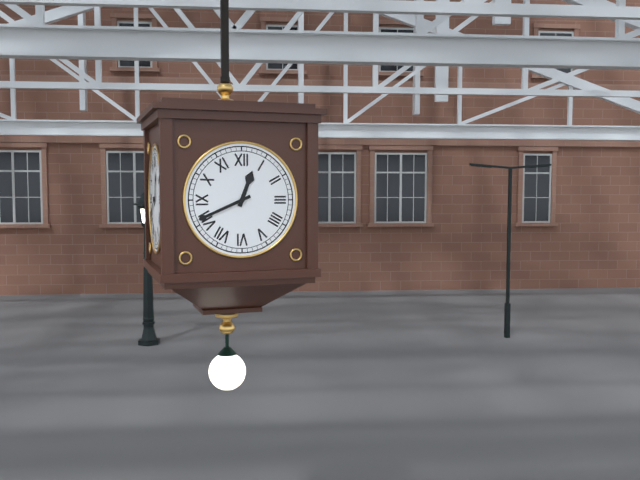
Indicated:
h=12 m=41
